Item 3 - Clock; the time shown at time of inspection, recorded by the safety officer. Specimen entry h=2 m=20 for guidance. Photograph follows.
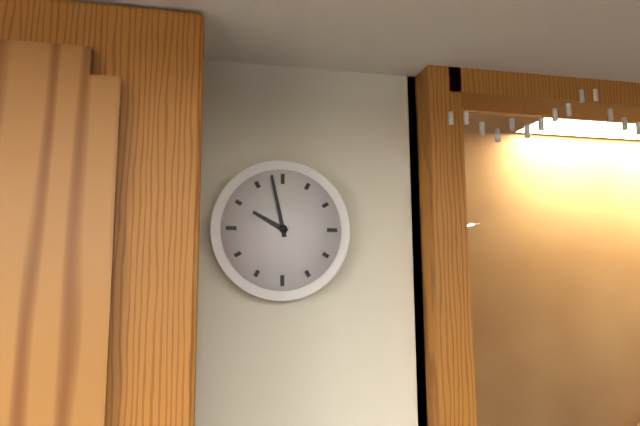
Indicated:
h=9 m=58
